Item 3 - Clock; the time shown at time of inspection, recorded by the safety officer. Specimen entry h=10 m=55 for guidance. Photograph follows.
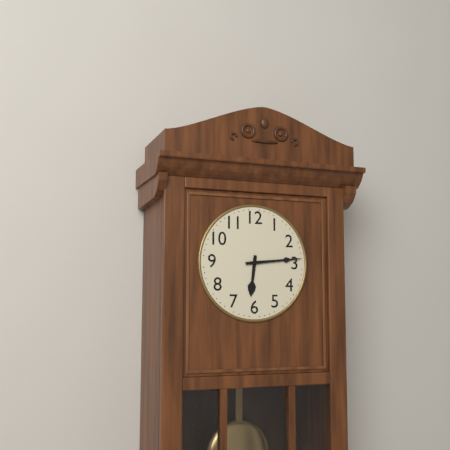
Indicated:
h=6 m=14
